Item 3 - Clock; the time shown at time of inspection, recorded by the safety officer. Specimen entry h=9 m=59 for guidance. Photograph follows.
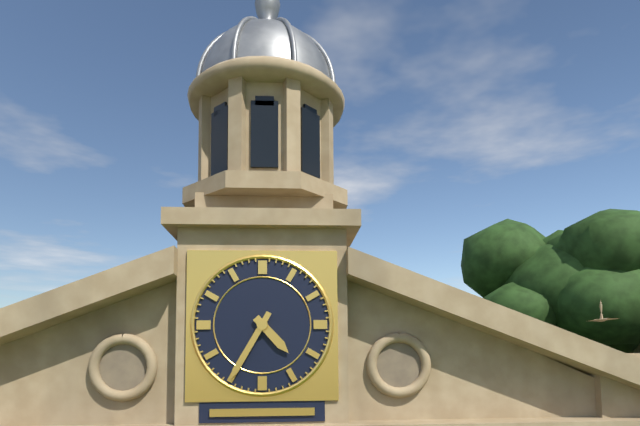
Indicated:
h=4 m=35
